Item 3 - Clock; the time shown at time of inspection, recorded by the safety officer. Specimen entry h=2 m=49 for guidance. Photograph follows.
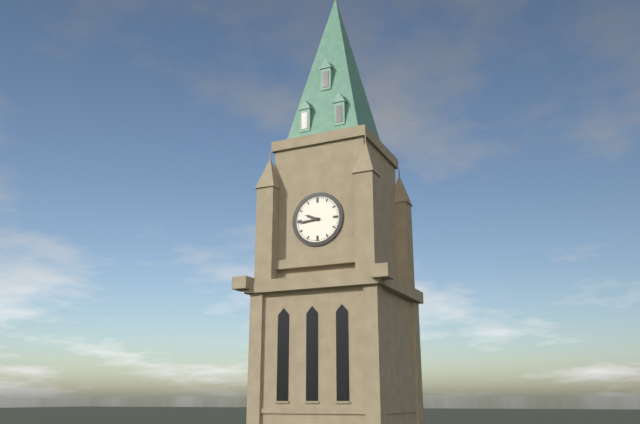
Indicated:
h=9 m=44
